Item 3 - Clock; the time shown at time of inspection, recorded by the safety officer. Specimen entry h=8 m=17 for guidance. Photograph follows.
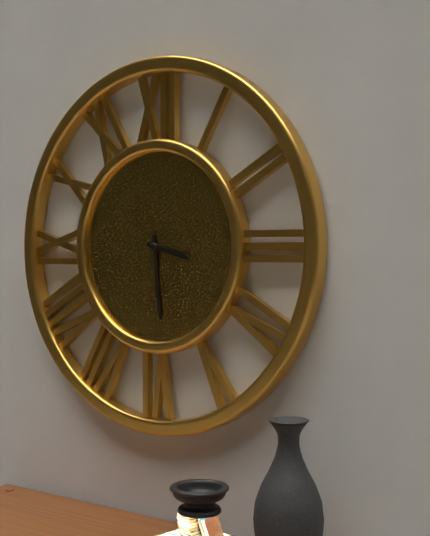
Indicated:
h=3 m=29
